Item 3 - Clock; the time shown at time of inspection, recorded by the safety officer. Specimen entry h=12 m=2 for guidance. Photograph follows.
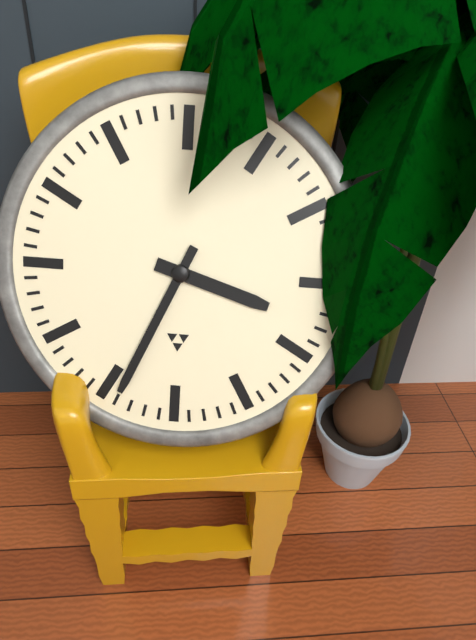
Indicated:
h=3 m=34
